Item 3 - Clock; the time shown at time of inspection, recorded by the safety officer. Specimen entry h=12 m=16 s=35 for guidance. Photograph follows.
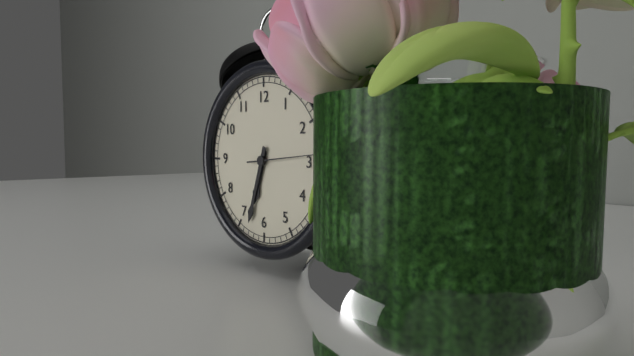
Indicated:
h=6 m=33 s=14
